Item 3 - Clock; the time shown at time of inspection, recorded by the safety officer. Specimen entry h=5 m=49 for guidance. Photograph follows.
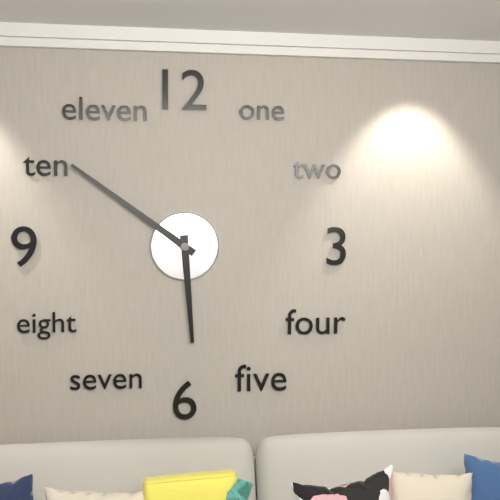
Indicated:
h=5 m=51
